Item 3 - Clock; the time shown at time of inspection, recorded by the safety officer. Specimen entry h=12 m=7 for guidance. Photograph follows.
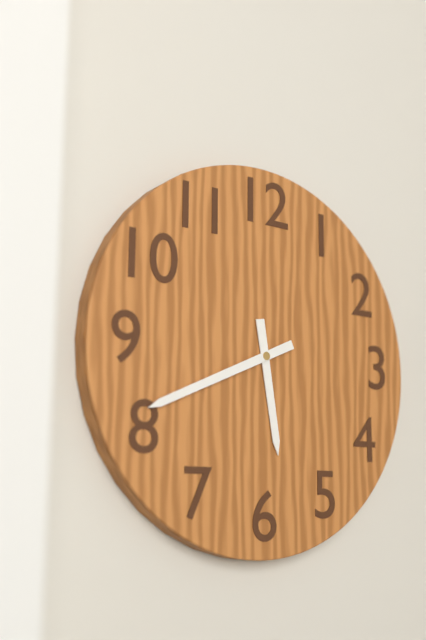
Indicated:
h=5 m=41
